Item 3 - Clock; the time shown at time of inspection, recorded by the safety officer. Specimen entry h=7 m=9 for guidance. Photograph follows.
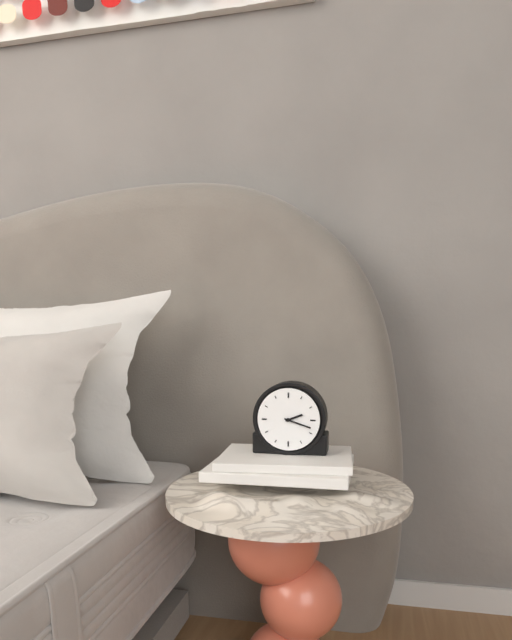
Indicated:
h=2 m=18
